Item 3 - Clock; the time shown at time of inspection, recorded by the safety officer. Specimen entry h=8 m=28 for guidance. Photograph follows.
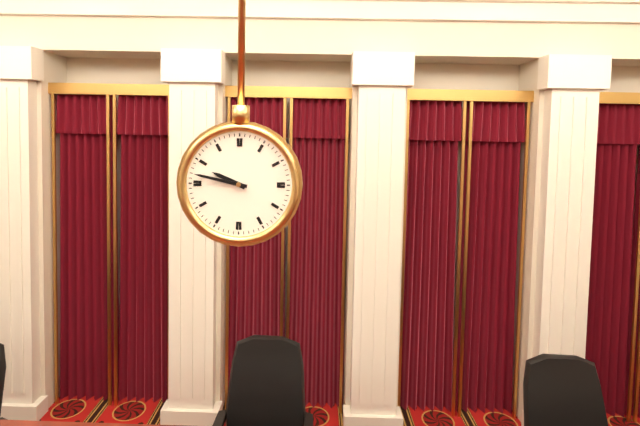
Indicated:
h=9 m=47
